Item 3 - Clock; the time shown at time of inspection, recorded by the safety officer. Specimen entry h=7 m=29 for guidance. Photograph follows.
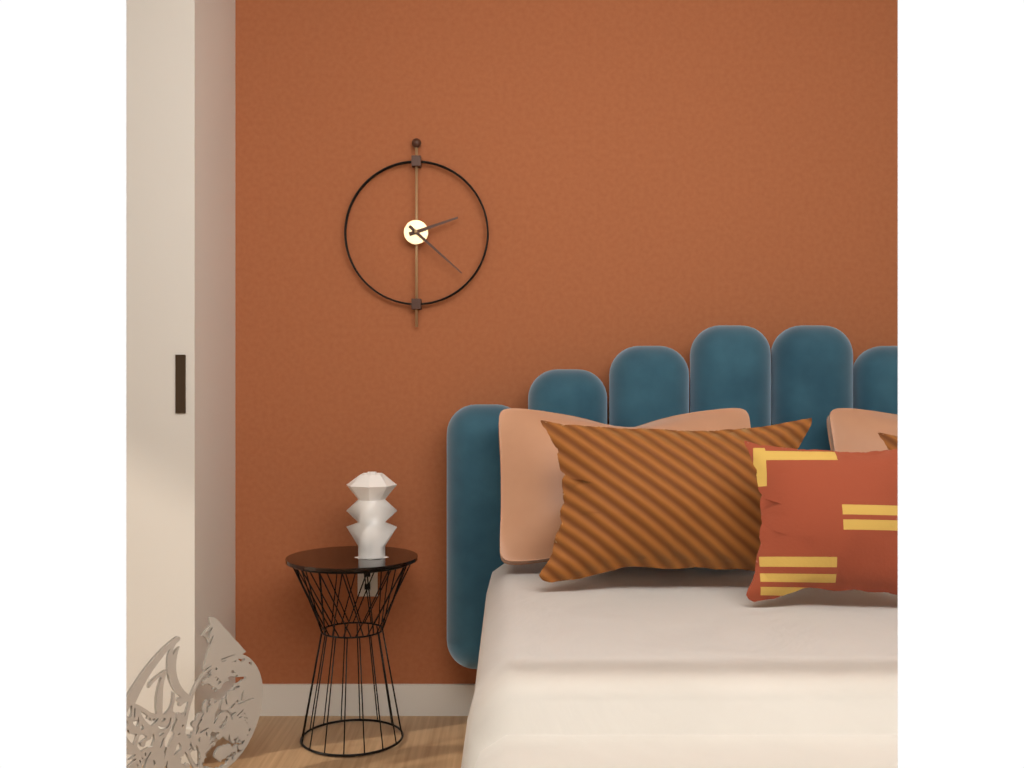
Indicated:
h=2 m=22
